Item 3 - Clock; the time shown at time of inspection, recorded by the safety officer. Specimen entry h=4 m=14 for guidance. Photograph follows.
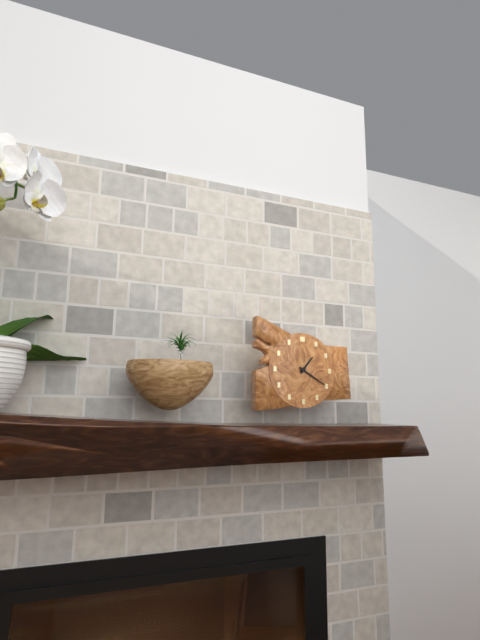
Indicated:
h=1 m=20
